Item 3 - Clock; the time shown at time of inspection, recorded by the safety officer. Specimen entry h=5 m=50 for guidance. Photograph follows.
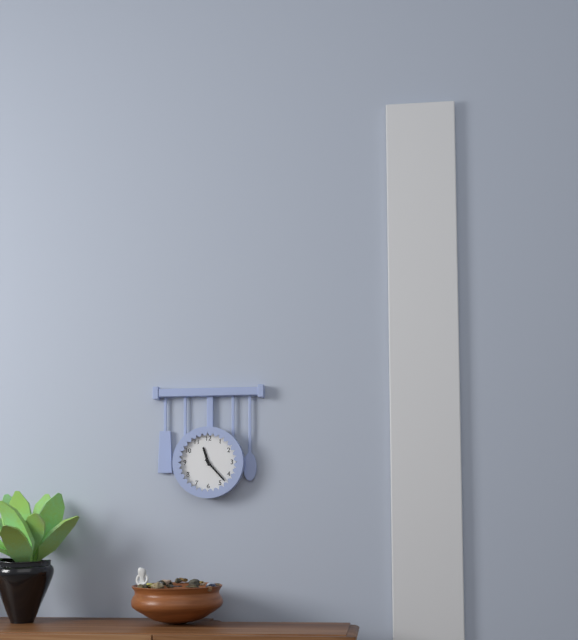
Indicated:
h=11 m=23
